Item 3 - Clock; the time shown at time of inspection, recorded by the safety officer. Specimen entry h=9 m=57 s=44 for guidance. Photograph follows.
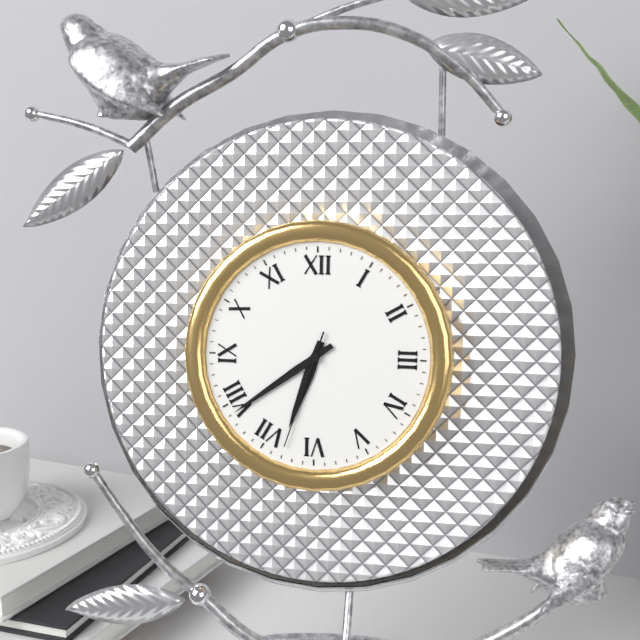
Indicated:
h=6 m=39 s=33
